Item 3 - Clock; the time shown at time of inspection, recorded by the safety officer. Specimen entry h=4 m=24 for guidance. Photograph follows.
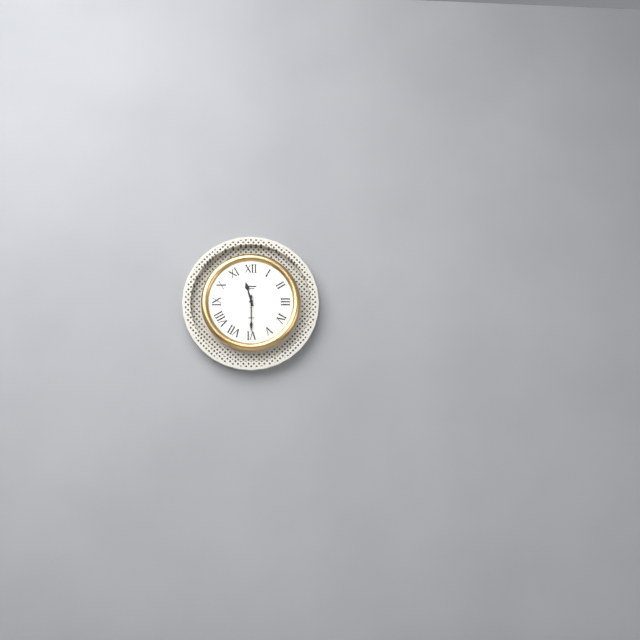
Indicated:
h=11 m=30
